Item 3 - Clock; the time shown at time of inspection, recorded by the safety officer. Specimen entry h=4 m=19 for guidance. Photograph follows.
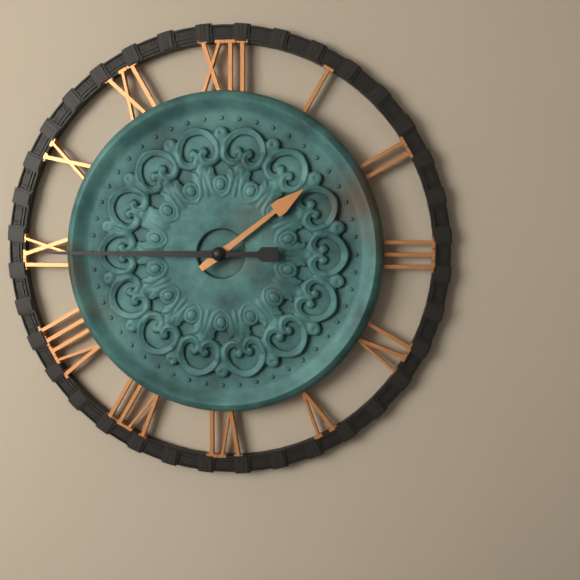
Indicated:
h=1 m=45
